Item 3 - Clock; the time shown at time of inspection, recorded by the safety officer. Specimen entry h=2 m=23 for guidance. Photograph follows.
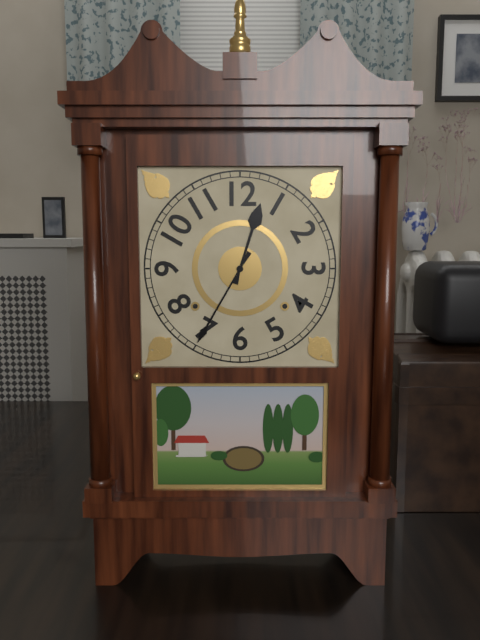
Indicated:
h=12 m=35
